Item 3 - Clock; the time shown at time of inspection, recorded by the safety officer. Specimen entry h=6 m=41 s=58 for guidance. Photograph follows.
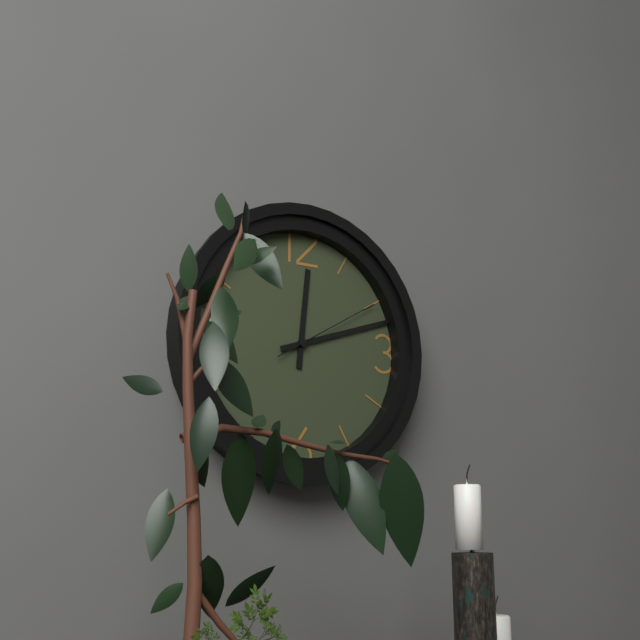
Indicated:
h=12 m=12 s=10
